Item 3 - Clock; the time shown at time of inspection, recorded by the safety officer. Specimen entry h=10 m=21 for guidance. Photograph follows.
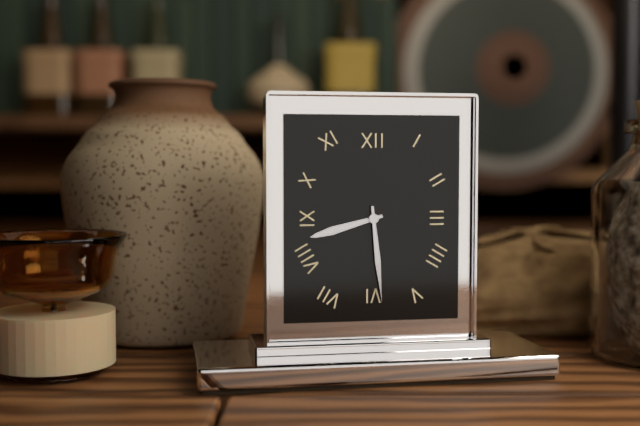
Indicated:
h=8 m=29
